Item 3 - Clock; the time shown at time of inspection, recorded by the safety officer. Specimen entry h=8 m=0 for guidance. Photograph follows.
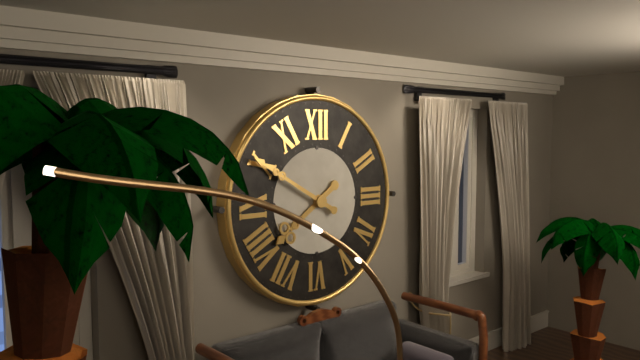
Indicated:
h=7 m=50
